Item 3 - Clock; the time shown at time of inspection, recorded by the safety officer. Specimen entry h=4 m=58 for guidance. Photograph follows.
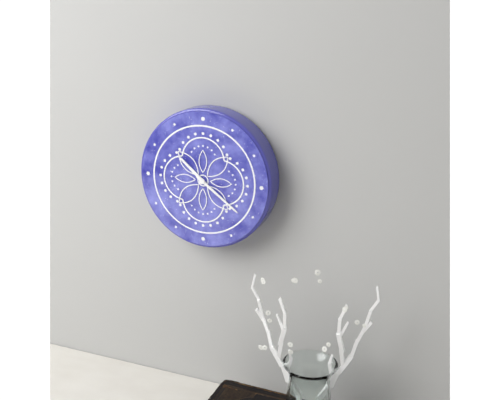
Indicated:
h=10 m=21
